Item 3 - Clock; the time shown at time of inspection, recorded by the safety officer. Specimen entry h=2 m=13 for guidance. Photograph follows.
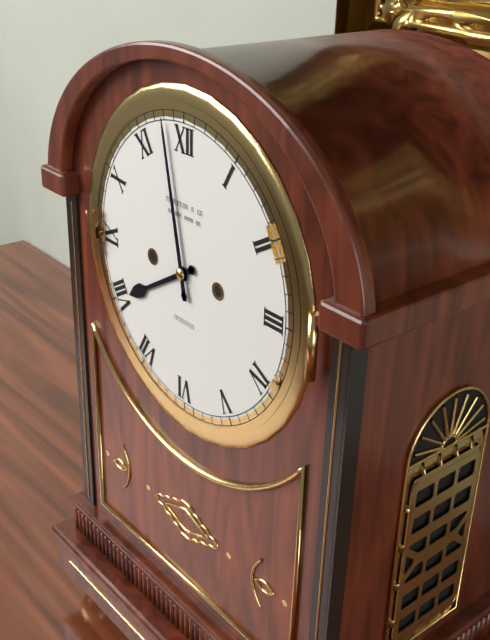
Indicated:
h=7 m=58
